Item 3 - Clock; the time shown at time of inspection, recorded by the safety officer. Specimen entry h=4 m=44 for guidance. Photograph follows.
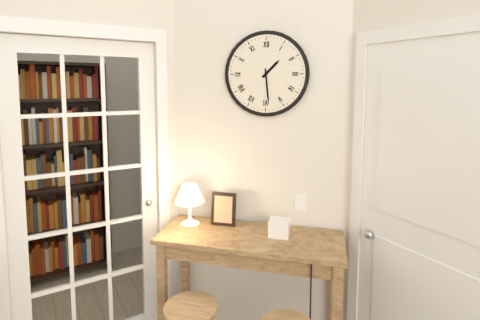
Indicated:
h=1 m=29
